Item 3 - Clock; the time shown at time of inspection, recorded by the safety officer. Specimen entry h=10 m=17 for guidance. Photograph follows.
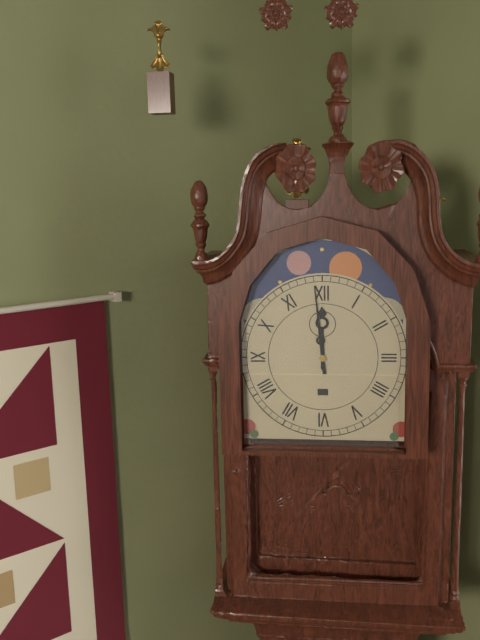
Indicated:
h=11 m=59
